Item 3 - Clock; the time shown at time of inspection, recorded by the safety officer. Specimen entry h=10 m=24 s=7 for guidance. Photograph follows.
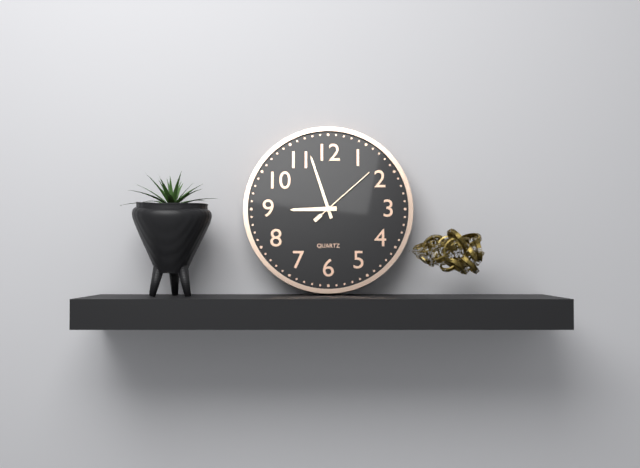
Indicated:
h=8 m=57 s=8
